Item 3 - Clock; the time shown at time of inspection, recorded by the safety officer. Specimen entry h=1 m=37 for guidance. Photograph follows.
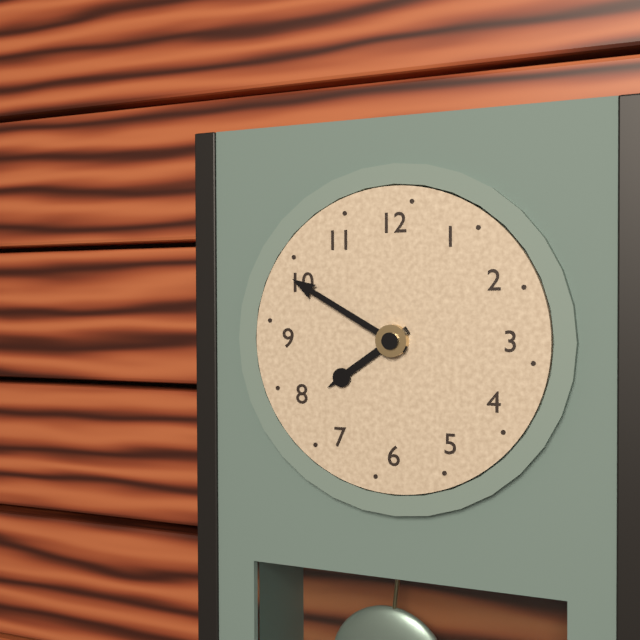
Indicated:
h=7 m=50
